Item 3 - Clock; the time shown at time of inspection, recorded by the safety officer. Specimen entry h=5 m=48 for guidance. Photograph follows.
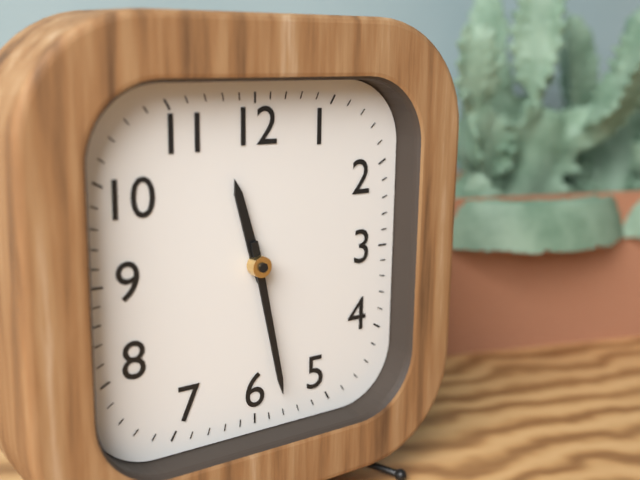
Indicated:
h=11 m=28
